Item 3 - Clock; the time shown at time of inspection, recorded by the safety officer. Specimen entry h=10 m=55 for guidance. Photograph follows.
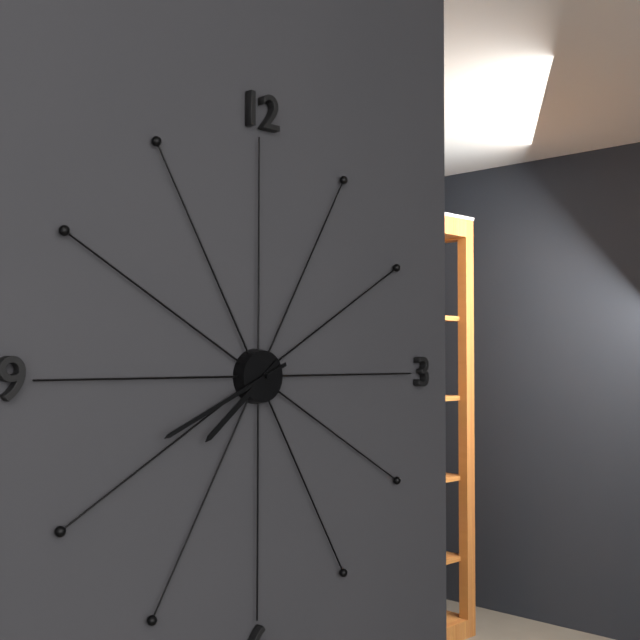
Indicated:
h=7 m=41
